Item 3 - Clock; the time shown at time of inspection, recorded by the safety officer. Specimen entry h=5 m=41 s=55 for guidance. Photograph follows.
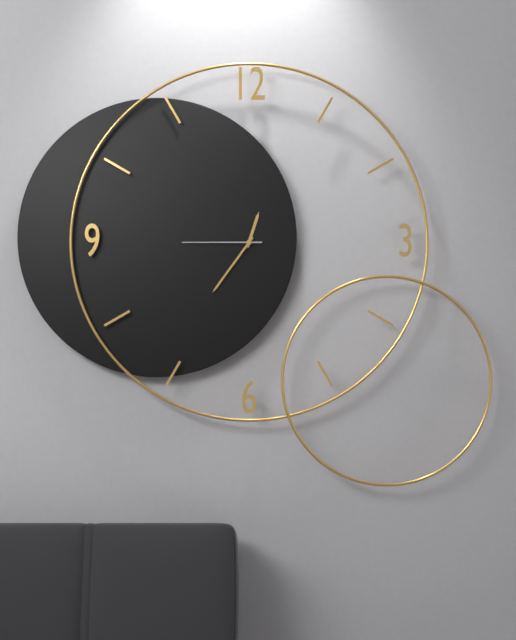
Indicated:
h=12 m=36 s=45
